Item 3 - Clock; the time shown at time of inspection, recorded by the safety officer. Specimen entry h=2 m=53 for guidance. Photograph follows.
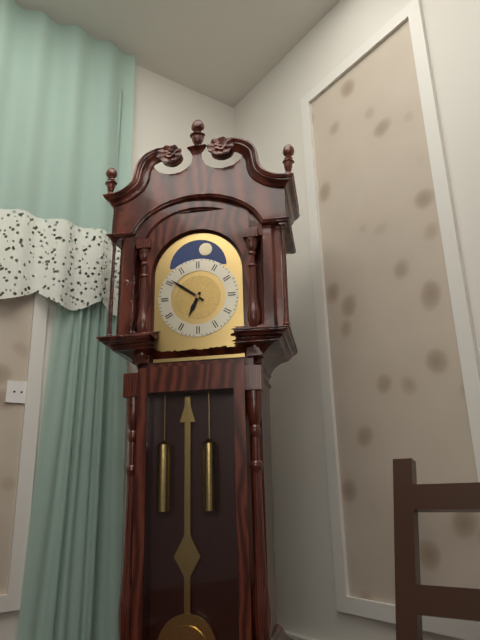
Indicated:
h=6 m=51
